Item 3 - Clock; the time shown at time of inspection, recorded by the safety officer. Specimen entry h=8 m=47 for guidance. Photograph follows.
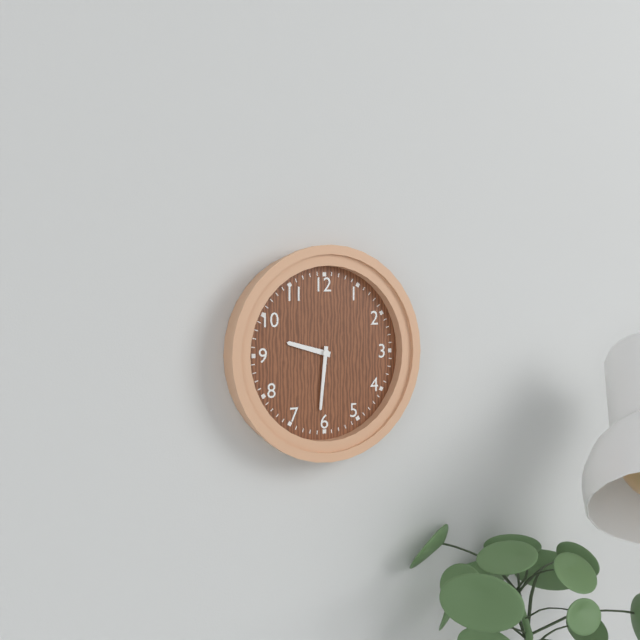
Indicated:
h=9 m=31
